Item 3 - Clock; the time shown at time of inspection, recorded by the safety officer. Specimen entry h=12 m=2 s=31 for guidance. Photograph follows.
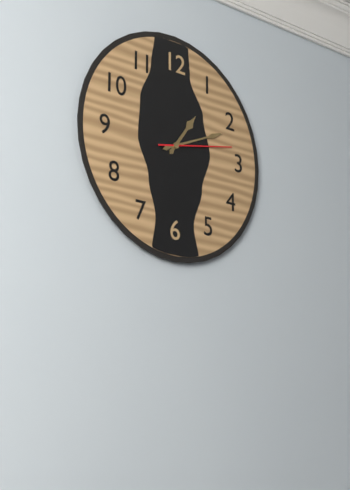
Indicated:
h=1 m=11 s=13
